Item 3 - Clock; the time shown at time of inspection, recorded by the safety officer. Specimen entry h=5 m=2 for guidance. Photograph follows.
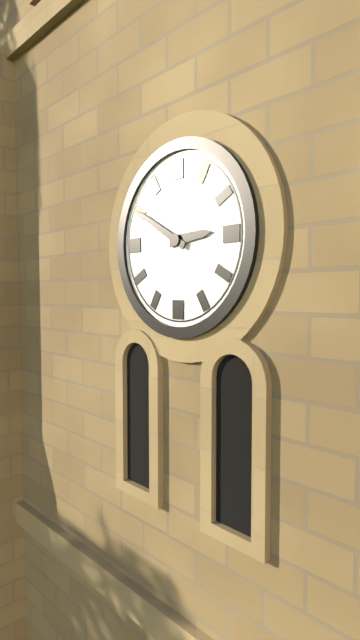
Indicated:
h=2 m=50
